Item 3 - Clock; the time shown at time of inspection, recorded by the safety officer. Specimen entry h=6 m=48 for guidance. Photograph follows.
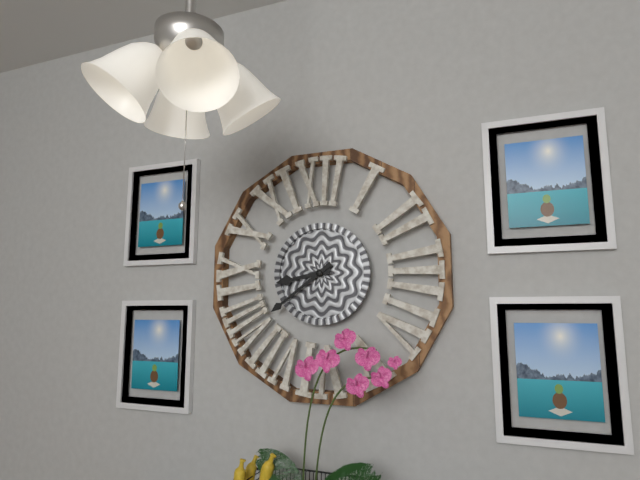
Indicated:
h=8 m=39
